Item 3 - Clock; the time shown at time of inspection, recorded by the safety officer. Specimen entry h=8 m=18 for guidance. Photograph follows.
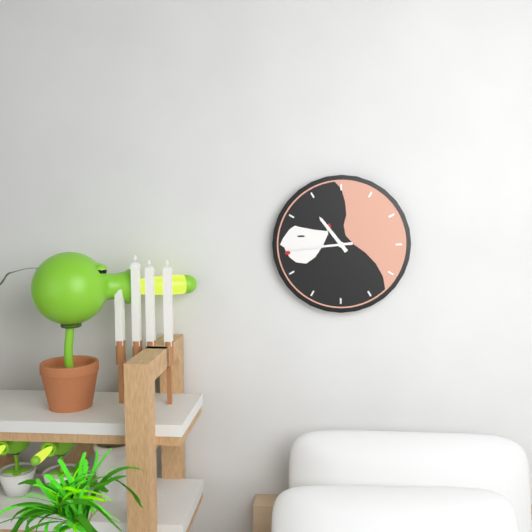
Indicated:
h=10 m=44
